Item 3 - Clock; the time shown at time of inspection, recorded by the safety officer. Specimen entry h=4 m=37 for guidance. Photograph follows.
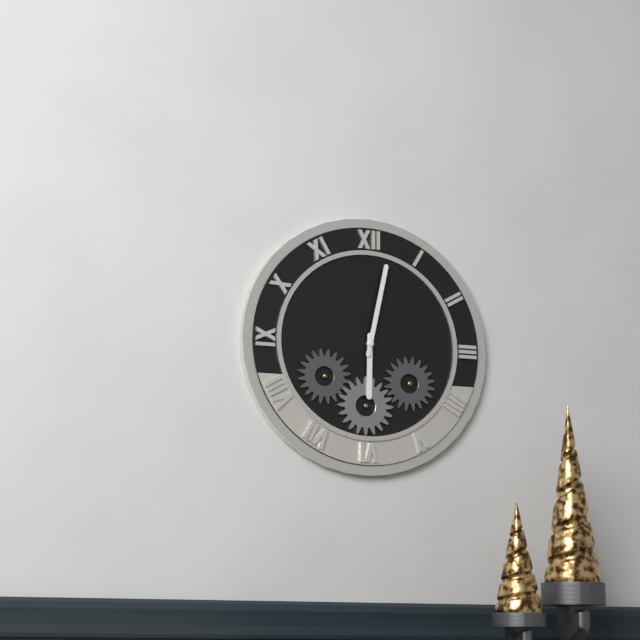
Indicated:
h=6 m=2
